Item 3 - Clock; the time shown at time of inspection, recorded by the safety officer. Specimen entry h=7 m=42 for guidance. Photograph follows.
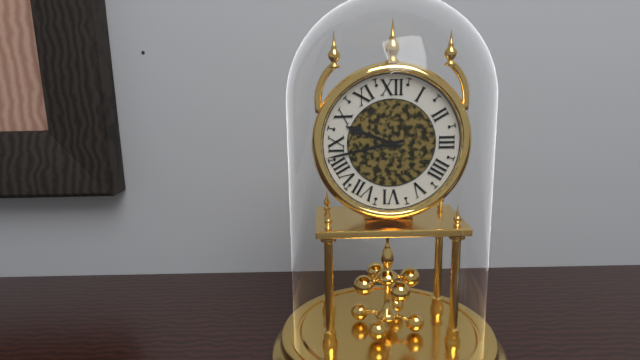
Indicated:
h=9 m=43
